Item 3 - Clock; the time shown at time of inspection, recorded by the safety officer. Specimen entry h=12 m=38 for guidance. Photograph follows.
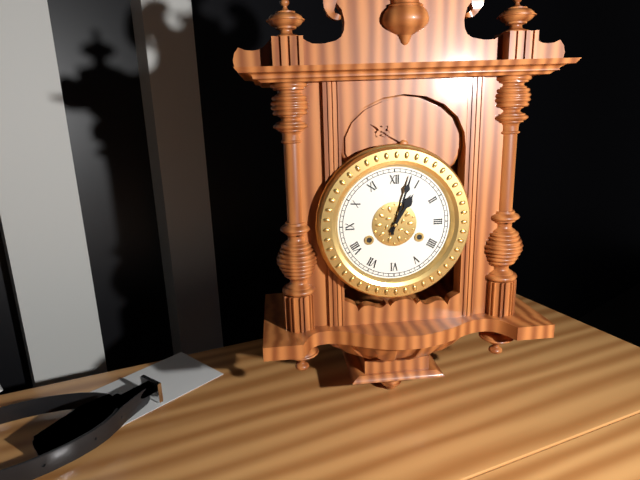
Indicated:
h=1 m=3
